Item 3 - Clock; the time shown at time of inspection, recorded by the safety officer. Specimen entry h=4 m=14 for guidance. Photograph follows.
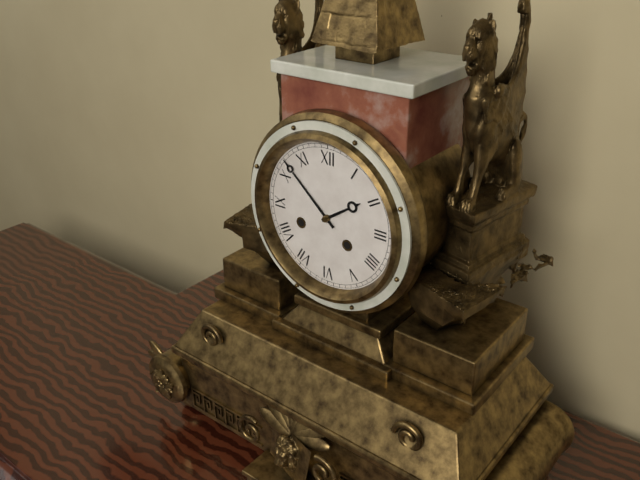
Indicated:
h=1 m=52
